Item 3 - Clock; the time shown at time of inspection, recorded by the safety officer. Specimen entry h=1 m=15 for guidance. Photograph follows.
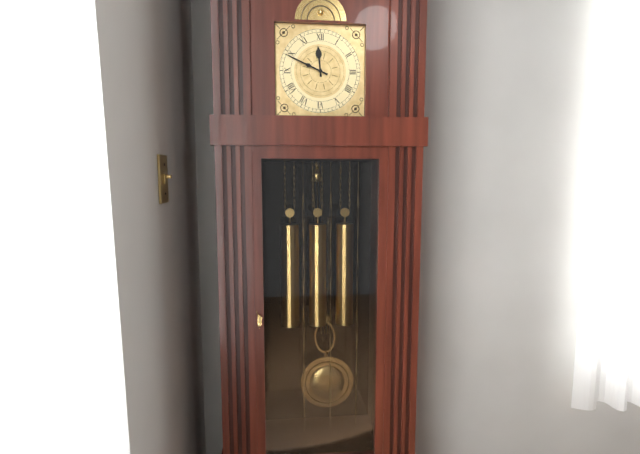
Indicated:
h=11 m=49
